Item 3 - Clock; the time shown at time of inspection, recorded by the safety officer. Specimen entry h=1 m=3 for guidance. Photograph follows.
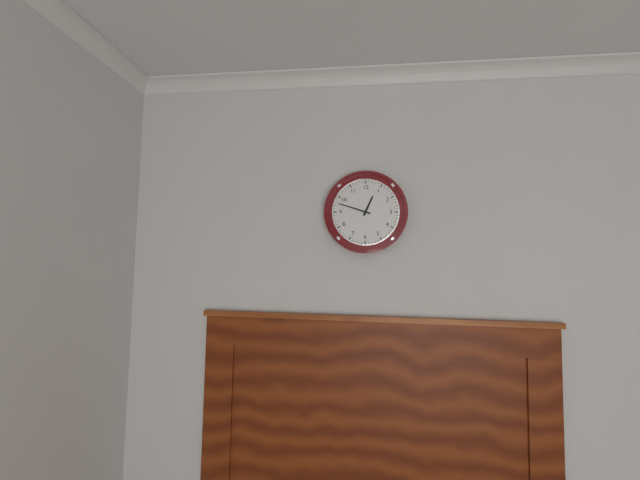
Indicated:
h=12 m=48
